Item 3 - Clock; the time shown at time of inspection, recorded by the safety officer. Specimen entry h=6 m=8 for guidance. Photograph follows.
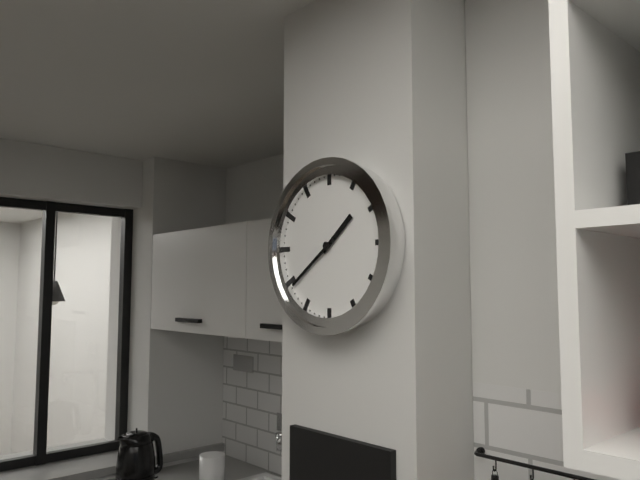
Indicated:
h=1 m=39
